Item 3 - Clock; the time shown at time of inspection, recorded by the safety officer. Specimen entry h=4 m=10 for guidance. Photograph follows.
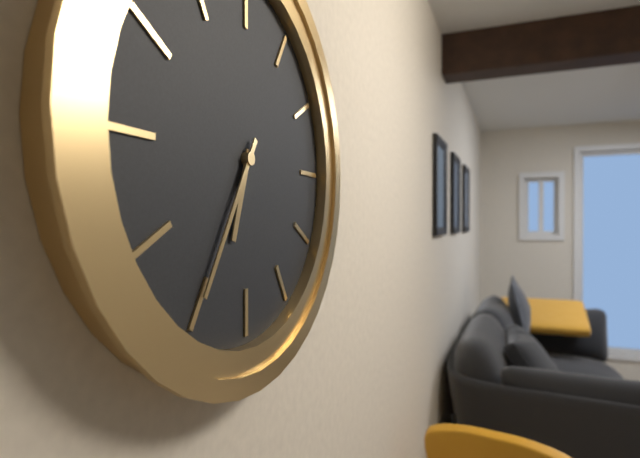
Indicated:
h=6 m=35
